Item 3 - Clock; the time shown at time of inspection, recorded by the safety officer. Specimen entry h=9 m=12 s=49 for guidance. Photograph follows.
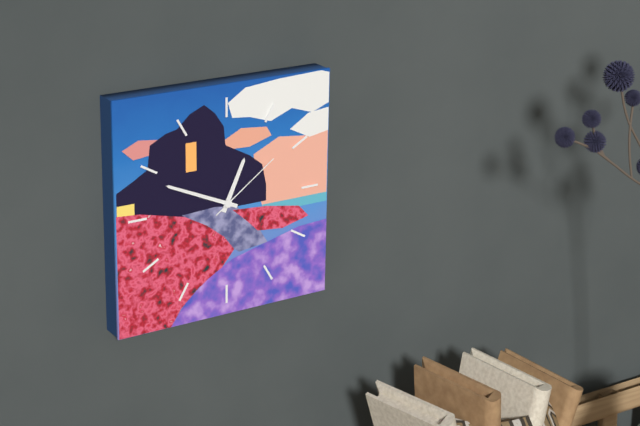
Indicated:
h=12 m=49 s=9
